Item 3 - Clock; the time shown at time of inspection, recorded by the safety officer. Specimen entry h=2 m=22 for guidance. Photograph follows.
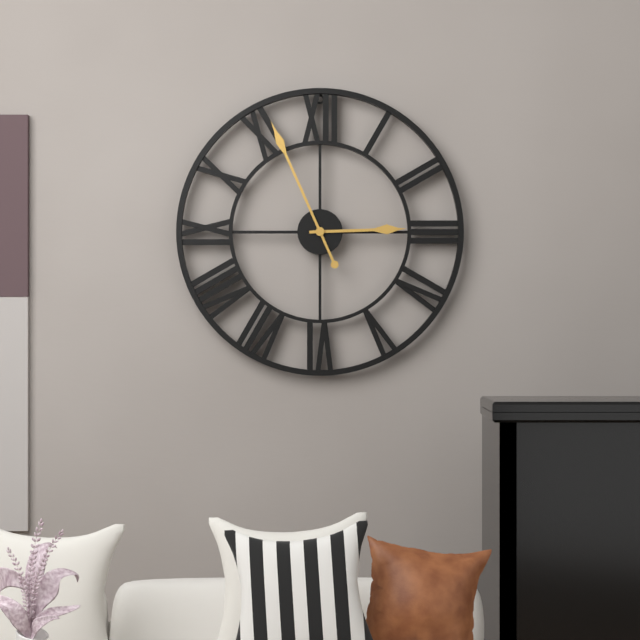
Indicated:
h=2 m=56
